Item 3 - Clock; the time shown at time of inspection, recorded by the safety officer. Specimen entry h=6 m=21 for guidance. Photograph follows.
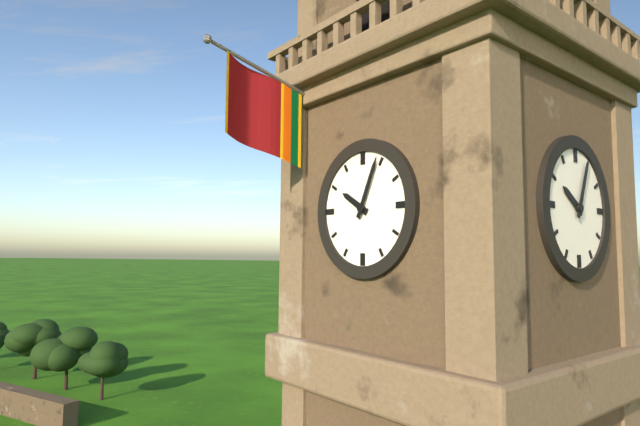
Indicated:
h=10 m=4
